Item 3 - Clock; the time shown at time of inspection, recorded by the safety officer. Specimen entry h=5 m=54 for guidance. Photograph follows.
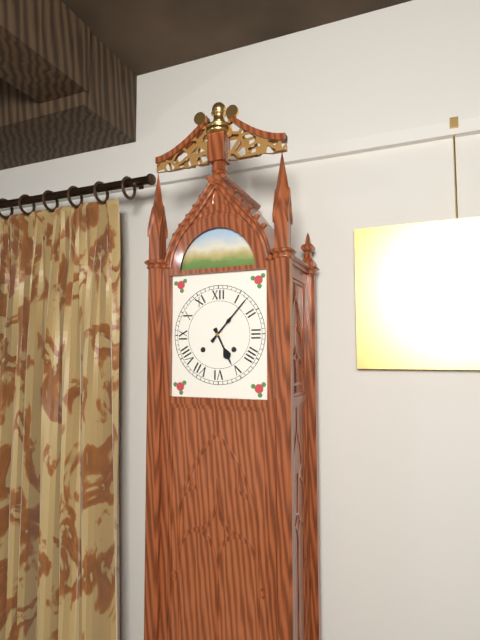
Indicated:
h=5 m=7
